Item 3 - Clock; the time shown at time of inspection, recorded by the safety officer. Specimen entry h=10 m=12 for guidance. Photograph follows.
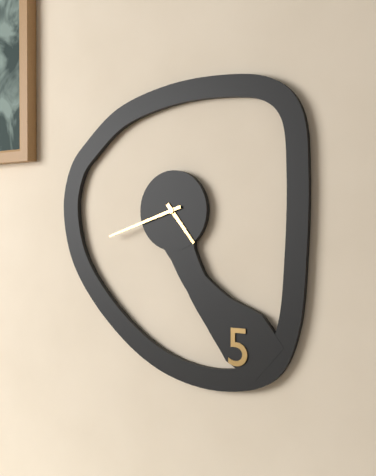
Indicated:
h=4 m=42
